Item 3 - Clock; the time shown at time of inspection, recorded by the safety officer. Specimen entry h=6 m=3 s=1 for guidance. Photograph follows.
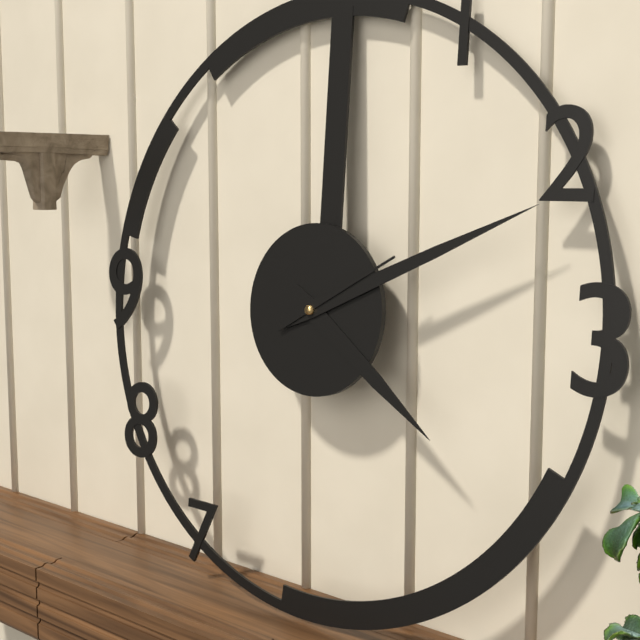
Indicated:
h=4 m=11 s=10
